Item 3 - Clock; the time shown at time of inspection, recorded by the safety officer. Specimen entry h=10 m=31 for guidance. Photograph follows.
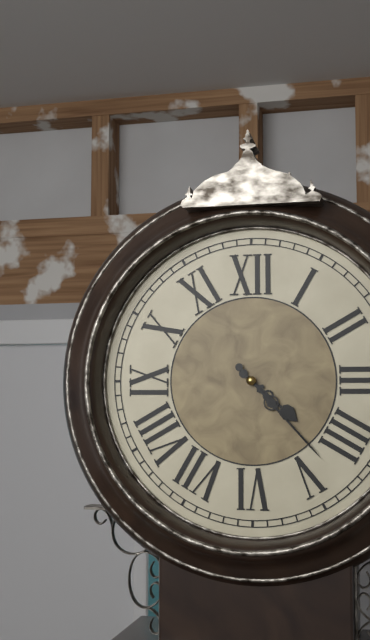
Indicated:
h=4 m=23
